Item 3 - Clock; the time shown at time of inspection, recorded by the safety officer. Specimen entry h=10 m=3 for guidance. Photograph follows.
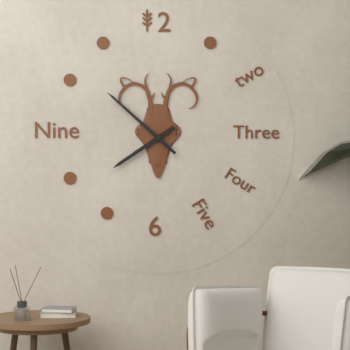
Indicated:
h=7 m=52
